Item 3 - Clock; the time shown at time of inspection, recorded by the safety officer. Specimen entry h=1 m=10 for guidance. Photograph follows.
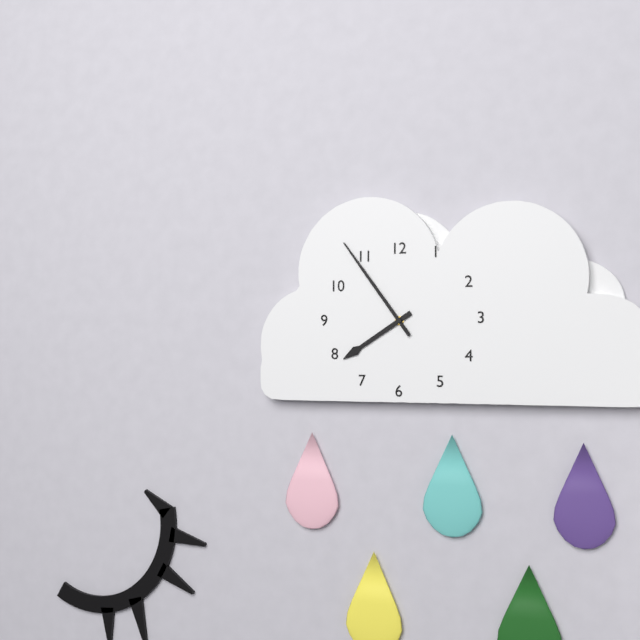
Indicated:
h=7 m=54
